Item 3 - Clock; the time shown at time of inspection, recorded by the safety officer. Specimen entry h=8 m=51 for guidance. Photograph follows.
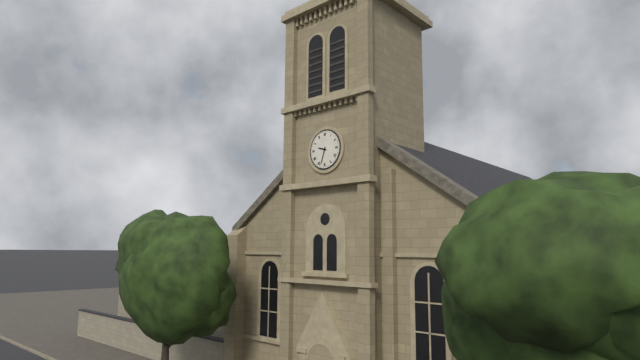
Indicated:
h=9 m=33
